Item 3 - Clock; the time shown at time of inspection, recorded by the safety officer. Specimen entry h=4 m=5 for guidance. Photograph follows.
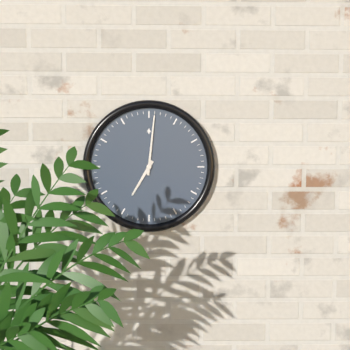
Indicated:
h=7 m=1
